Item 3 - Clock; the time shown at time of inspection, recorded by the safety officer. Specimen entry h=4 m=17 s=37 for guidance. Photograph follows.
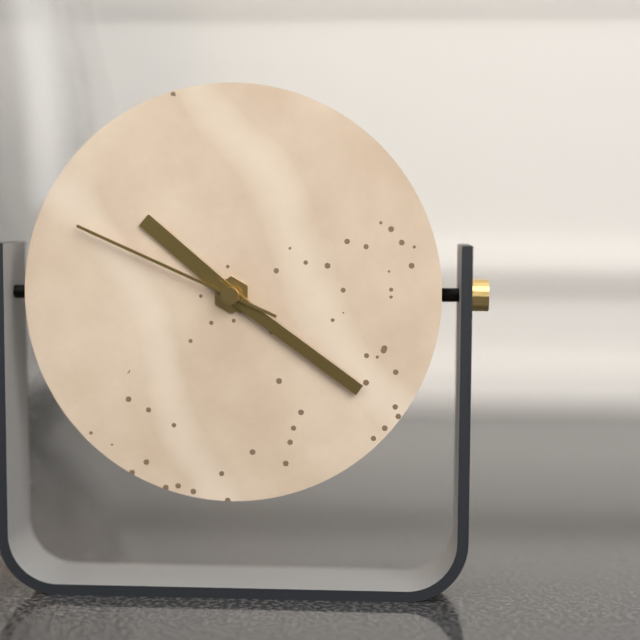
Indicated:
h=10 m=21 s=49
